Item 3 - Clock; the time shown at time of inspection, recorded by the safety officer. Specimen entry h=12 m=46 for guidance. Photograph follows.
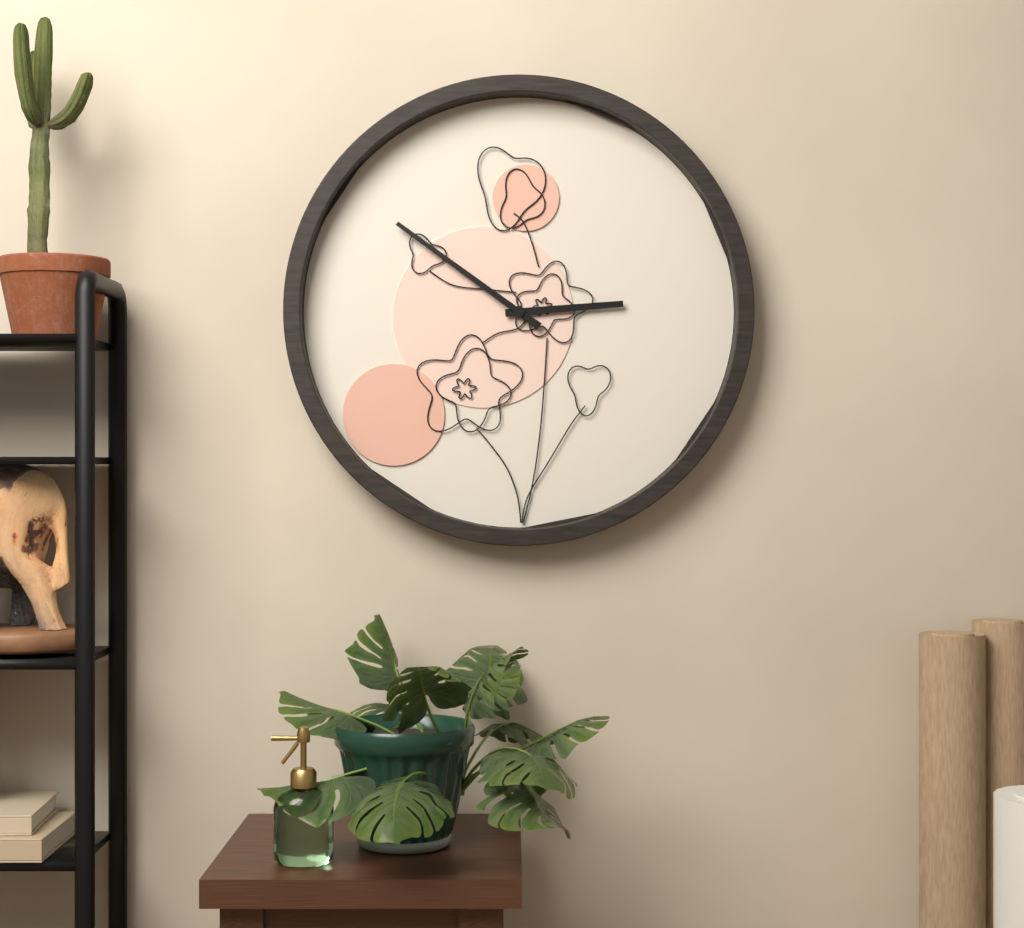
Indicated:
h=2 m=51
